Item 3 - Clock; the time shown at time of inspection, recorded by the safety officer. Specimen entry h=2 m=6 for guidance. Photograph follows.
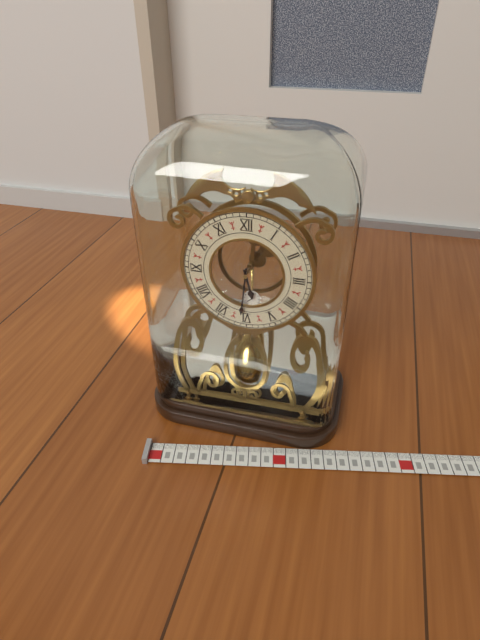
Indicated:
h=5 m=31
